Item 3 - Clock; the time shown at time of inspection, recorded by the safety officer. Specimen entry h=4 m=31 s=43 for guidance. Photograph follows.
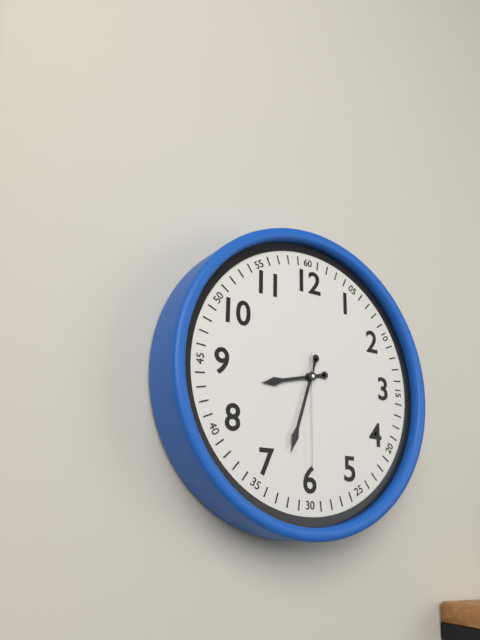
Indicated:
h=8 m=33 s=30
